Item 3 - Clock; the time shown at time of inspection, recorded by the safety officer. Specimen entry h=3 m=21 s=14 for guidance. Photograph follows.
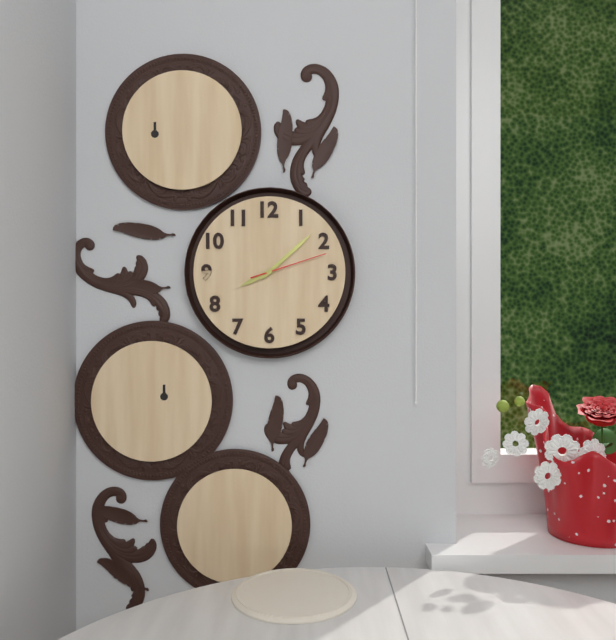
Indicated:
h=8 m=8 s=12
